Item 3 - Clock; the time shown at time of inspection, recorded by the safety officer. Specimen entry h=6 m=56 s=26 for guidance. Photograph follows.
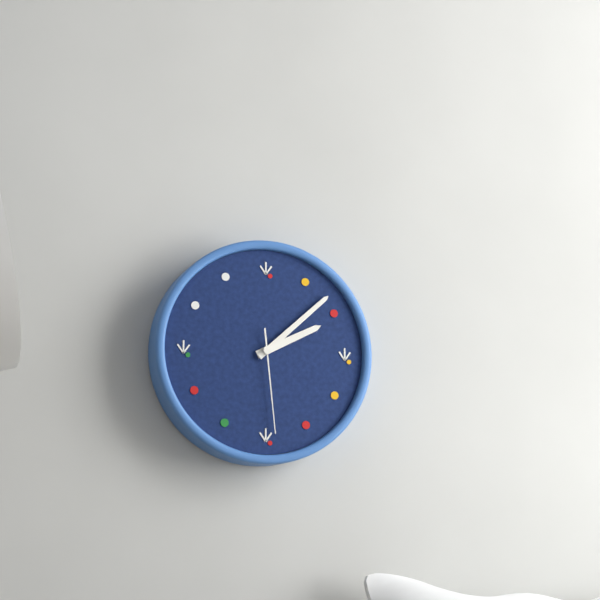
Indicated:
h=2 m=8 s=29
